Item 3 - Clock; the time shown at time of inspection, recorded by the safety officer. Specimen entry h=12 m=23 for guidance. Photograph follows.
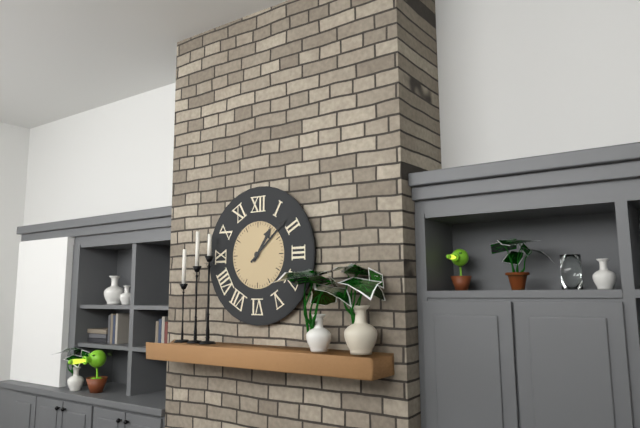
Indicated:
h=1 m=8
